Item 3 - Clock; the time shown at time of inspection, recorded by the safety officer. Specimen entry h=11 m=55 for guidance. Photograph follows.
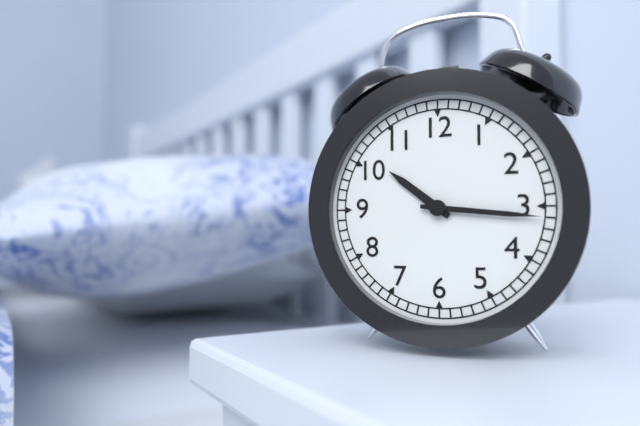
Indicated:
h=10 m=16
